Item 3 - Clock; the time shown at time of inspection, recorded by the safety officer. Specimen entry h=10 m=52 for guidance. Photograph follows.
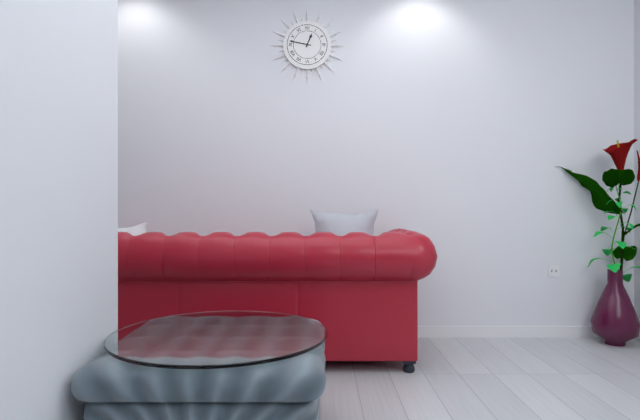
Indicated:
h=12 m=47
